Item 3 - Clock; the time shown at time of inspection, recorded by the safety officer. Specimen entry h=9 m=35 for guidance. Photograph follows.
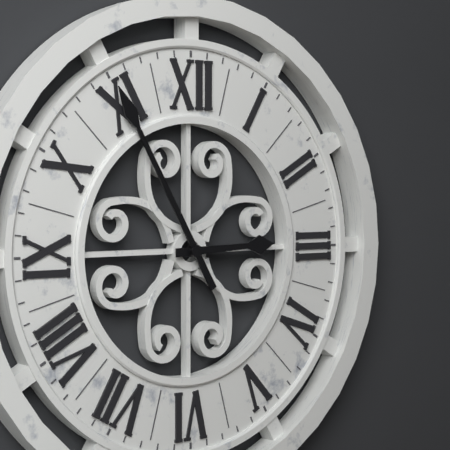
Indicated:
h=2 m=55
